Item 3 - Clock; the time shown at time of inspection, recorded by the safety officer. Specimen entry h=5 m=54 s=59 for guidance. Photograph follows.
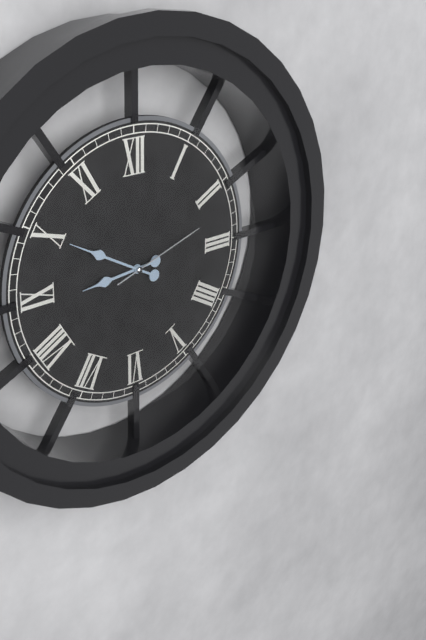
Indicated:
h=8 m=50 s=12
